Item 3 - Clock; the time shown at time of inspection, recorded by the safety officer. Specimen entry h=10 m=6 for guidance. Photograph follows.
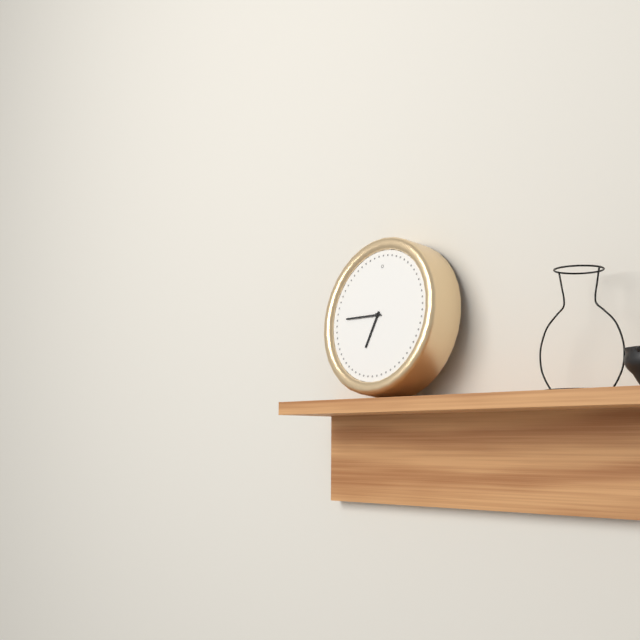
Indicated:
h=6 m=45
